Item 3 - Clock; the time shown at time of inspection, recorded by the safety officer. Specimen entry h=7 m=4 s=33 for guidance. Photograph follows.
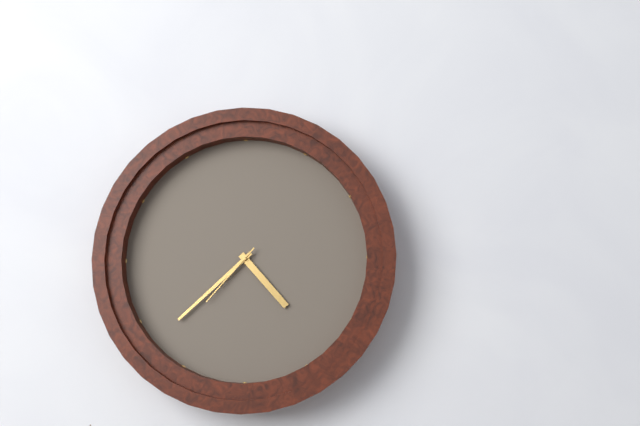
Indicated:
h=4 m=38 s=37
